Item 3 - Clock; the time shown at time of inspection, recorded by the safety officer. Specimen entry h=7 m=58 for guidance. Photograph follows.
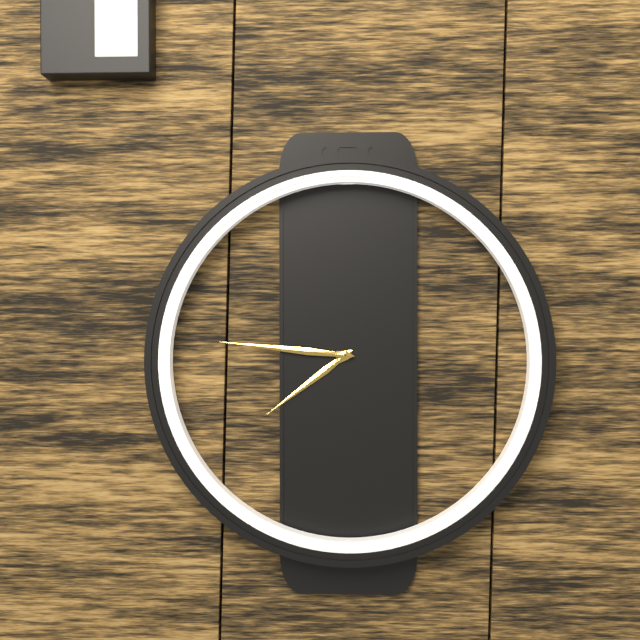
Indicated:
h=7 m=46
